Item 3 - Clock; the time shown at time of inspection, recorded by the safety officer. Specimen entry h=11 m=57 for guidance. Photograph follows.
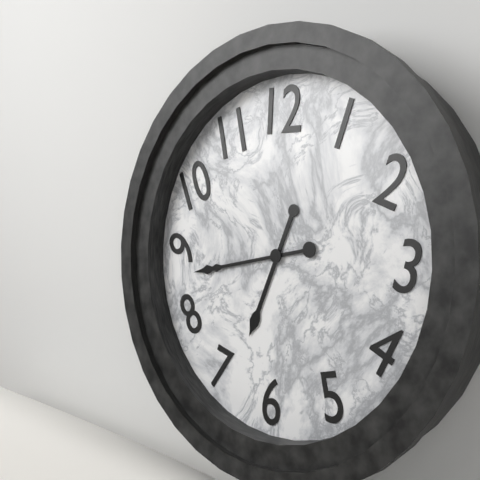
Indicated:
h=6 m=43
